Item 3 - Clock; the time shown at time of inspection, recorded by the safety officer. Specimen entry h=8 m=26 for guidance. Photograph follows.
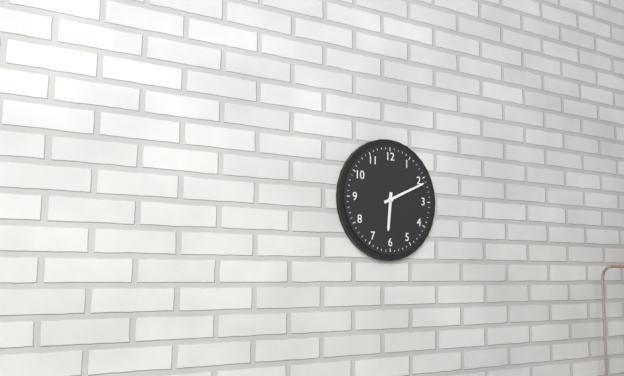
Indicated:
h=6 m=11
